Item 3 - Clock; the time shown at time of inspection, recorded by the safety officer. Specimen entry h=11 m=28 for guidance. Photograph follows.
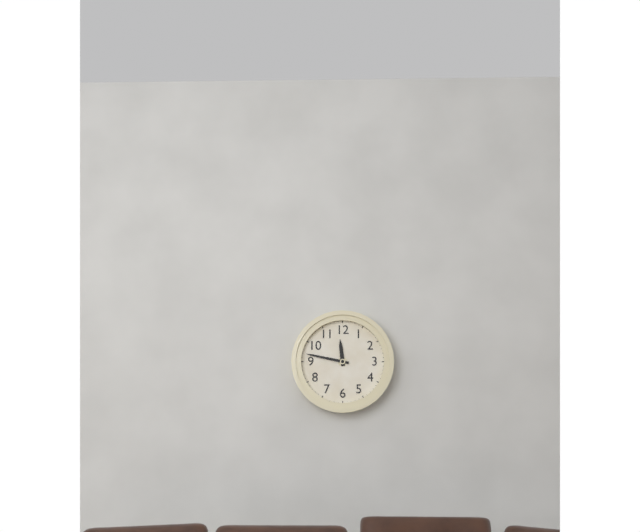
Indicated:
h=11 m=47
